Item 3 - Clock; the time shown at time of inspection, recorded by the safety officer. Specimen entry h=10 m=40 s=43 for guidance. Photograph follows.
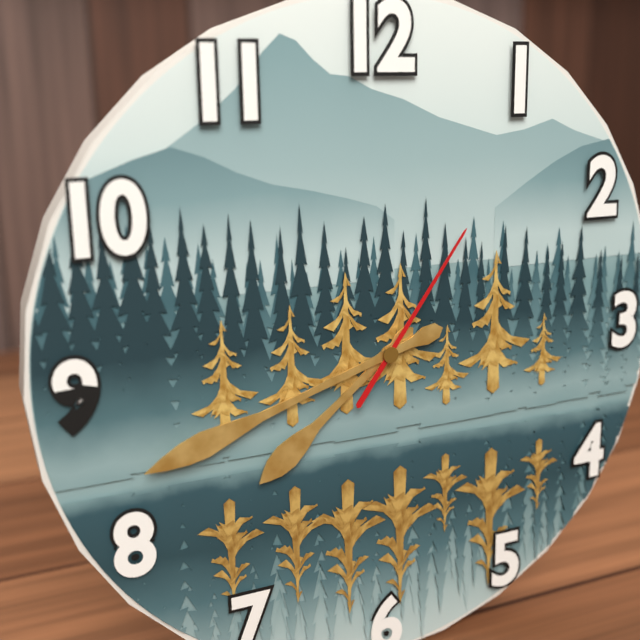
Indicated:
h=7 m=42 s=6
